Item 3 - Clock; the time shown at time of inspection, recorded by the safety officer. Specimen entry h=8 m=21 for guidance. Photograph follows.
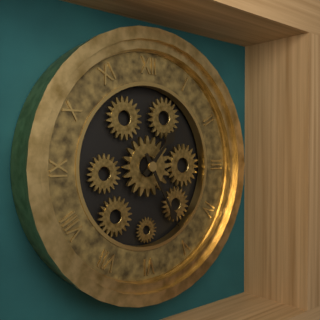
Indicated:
h=1 m=25
